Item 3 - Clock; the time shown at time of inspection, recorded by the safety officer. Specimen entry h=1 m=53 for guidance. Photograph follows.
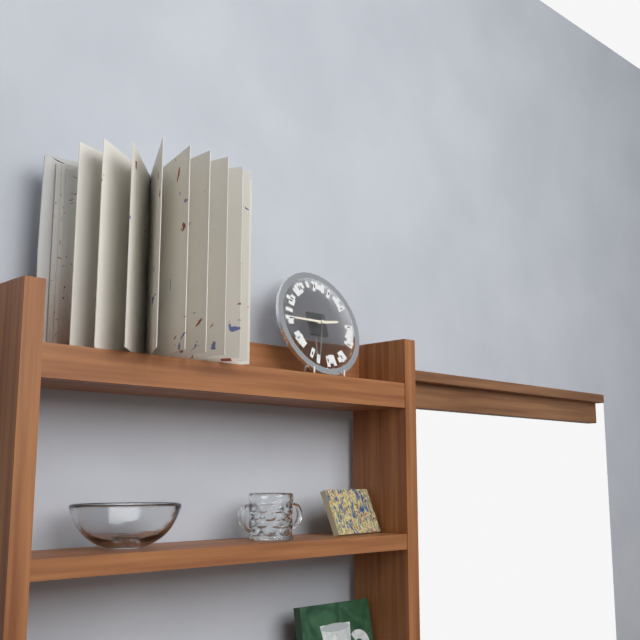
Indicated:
h=2 m=45
